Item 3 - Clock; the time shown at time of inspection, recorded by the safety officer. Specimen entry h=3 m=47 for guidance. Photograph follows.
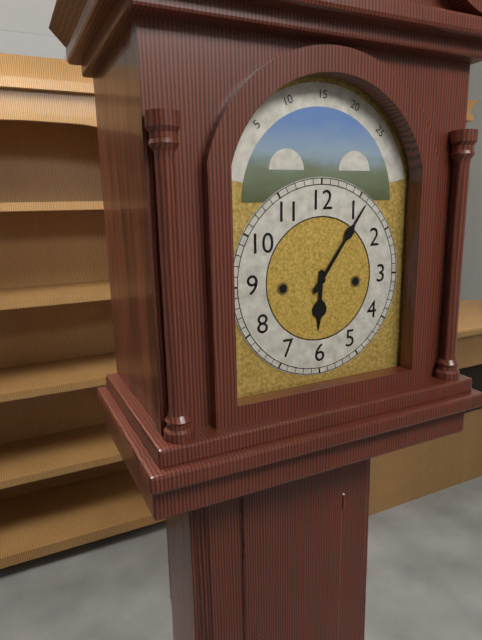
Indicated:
h=6 m=6
